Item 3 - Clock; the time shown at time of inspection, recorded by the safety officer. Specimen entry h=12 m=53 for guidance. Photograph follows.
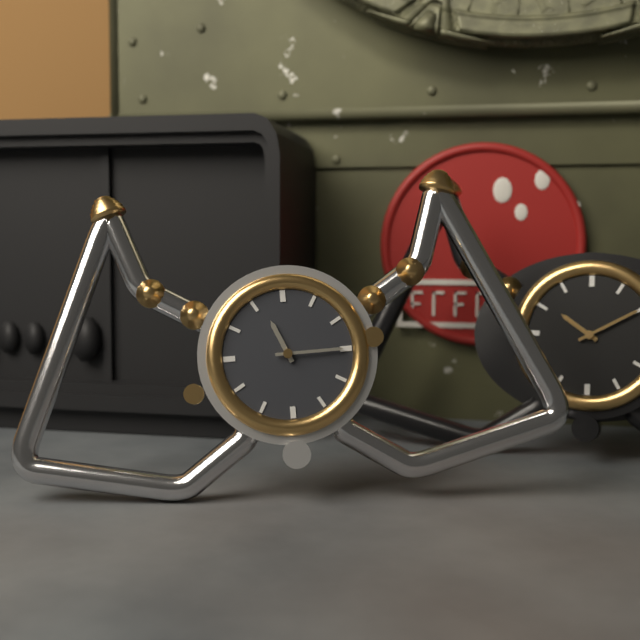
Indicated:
h=11 m=15
